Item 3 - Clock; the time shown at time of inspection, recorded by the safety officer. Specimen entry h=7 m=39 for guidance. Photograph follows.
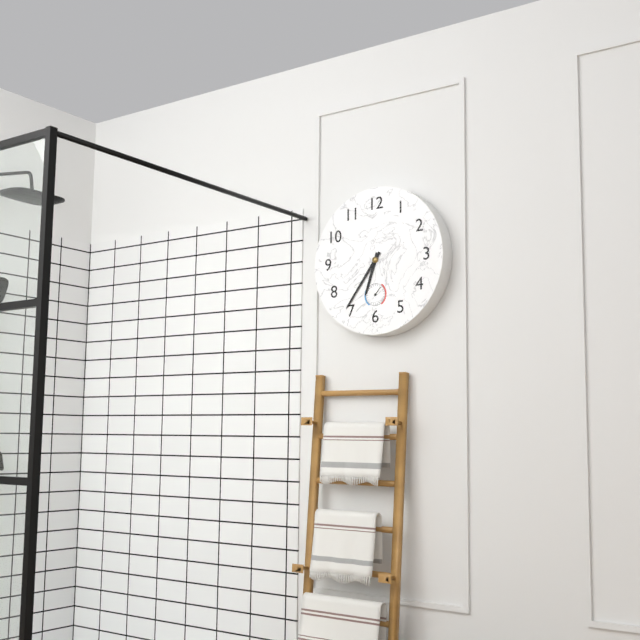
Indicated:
h=6 m=36
